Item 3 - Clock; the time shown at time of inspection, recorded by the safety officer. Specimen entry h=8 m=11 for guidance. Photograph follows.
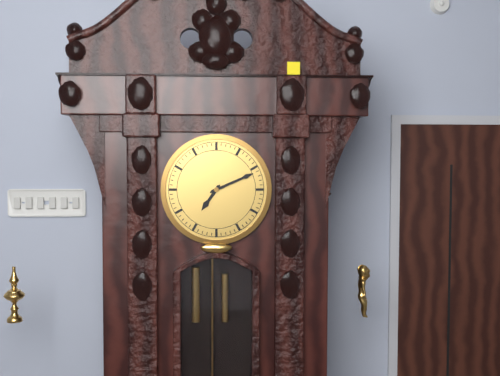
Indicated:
h=7 m=11
